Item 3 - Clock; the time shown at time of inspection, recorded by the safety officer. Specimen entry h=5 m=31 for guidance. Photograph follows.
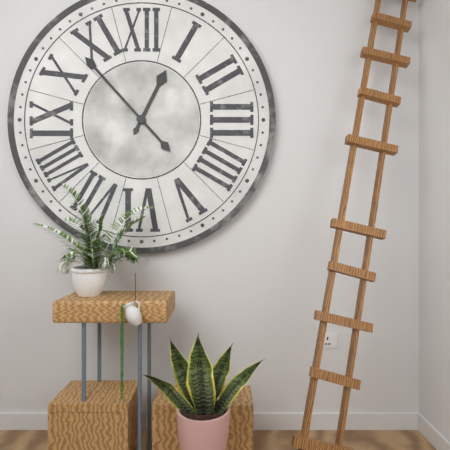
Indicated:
h=12 m=53
